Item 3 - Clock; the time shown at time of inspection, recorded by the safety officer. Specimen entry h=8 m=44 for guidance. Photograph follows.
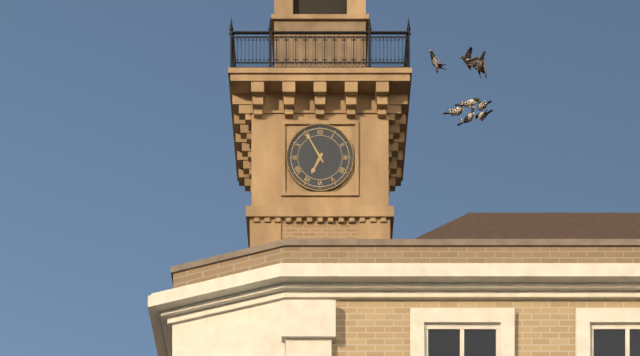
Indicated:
h=6 m=55
